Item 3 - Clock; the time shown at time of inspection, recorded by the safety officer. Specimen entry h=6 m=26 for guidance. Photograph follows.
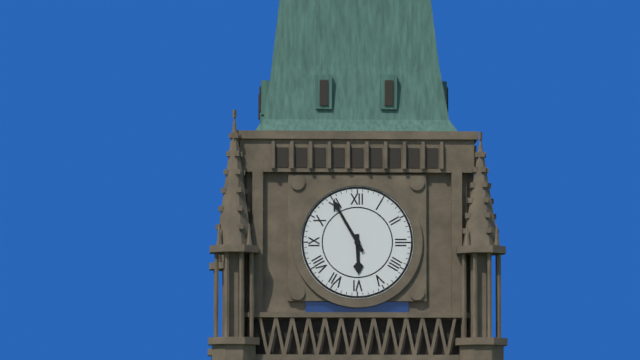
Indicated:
h=5 m=55
